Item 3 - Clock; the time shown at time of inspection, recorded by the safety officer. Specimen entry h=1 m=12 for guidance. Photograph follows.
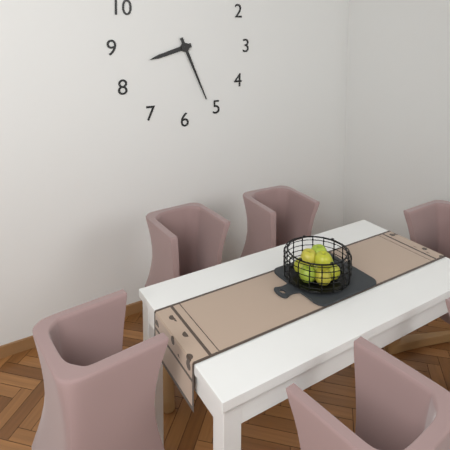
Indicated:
h=8 m=26
